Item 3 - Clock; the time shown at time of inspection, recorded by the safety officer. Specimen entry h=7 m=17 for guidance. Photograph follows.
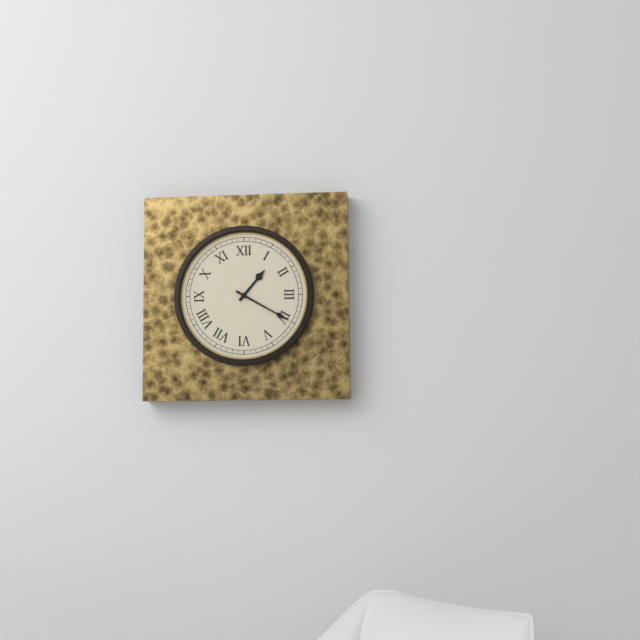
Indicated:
h=1 m=20
